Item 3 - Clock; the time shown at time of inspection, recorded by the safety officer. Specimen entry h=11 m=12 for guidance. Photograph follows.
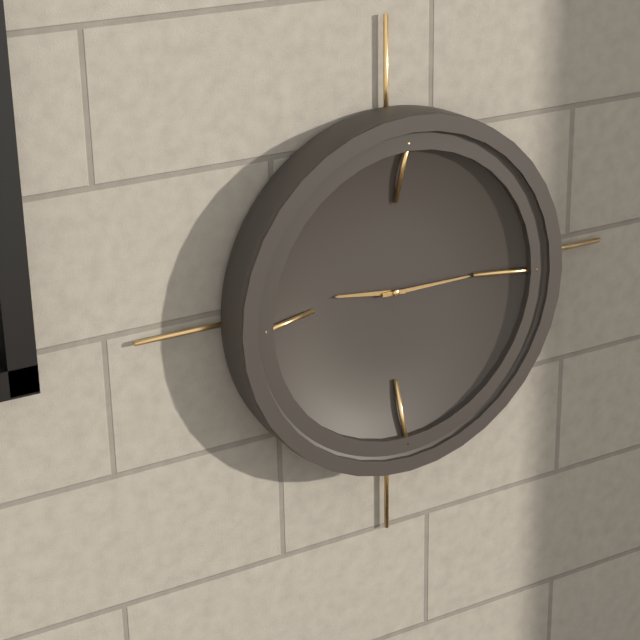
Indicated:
h=9 m=15
